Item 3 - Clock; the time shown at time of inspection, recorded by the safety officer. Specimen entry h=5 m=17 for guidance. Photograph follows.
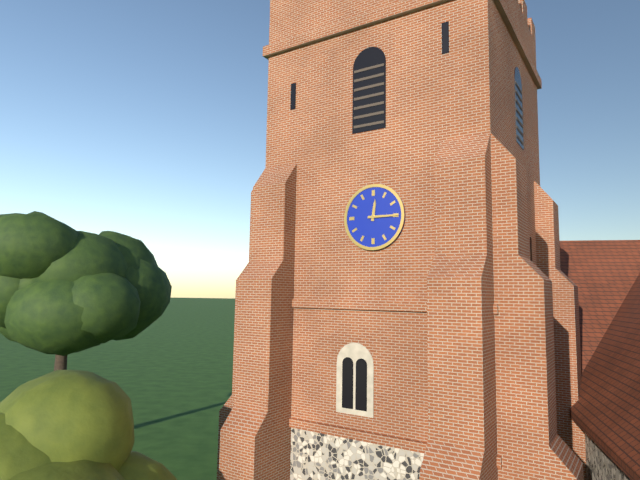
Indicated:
h=12 m=15
